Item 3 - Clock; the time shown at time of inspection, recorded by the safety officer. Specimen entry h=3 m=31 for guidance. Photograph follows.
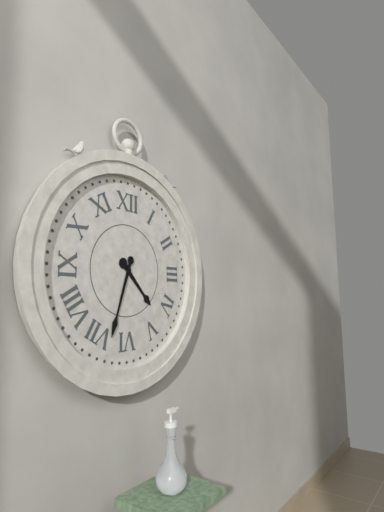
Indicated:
h=4 m=33
